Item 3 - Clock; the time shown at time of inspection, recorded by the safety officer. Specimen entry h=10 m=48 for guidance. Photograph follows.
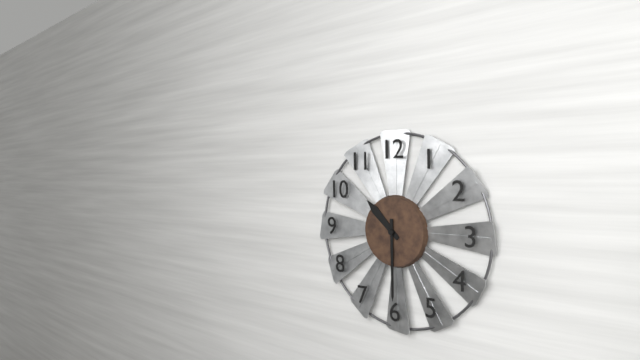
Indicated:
h=10 m=30
